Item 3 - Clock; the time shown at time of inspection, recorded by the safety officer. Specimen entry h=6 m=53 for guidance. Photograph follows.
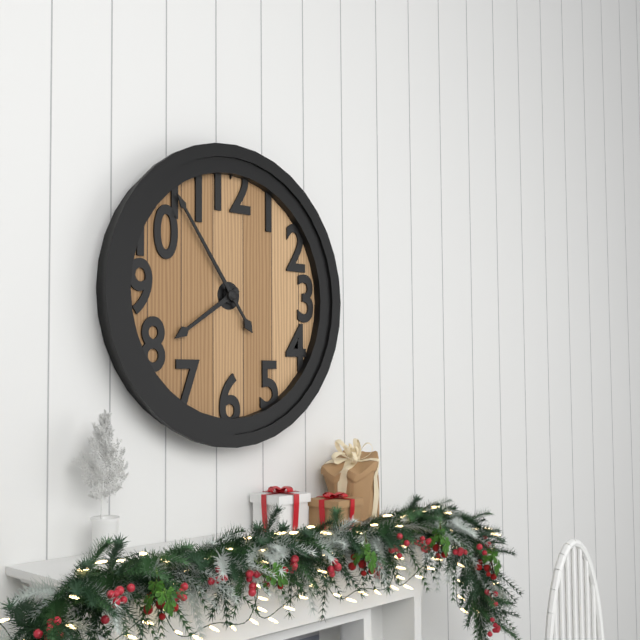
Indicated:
h=7 m=54
